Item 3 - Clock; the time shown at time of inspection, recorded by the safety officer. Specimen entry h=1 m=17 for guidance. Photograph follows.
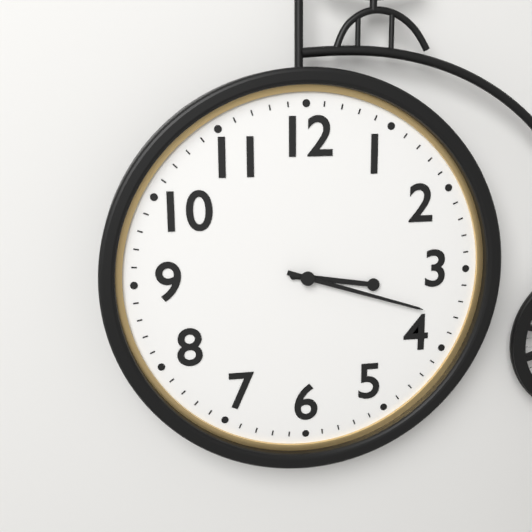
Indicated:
h=3 m=18
